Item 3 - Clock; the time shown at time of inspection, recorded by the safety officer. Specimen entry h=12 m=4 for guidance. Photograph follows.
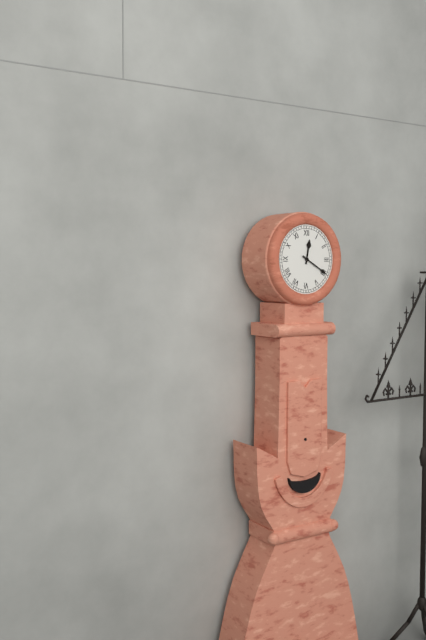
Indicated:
h=12 m=20
